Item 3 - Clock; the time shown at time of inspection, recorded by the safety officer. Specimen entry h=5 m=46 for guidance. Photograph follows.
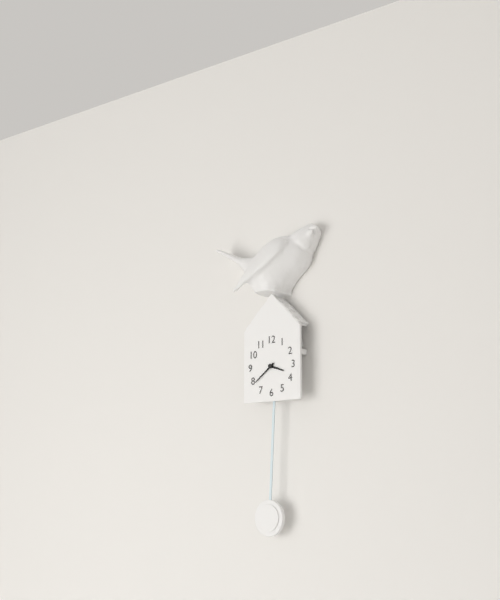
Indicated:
h=3 m=39
